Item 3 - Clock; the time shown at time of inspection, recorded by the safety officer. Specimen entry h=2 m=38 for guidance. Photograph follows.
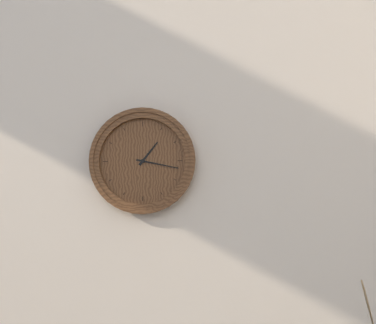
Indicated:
h=1 m=17
